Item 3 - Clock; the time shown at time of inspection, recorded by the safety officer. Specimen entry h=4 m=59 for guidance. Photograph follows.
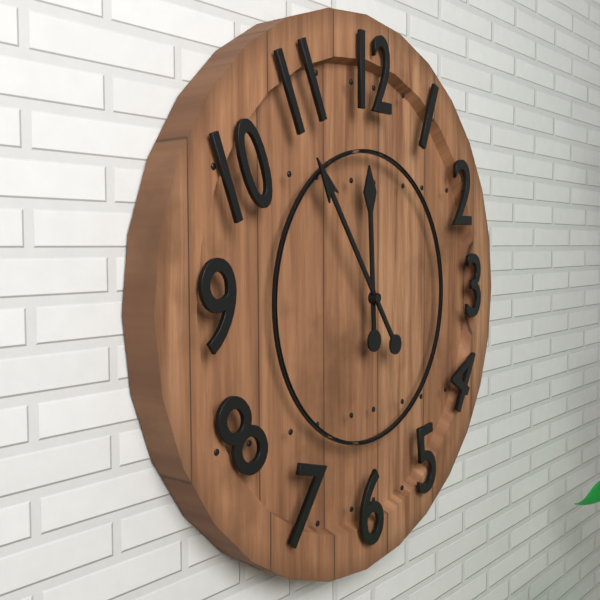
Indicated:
h=11 m=54
